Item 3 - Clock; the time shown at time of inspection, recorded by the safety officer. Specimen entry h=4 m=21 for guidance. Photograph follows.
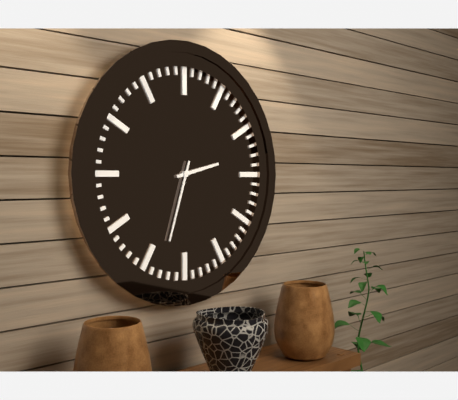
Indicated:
h=2 m=33
